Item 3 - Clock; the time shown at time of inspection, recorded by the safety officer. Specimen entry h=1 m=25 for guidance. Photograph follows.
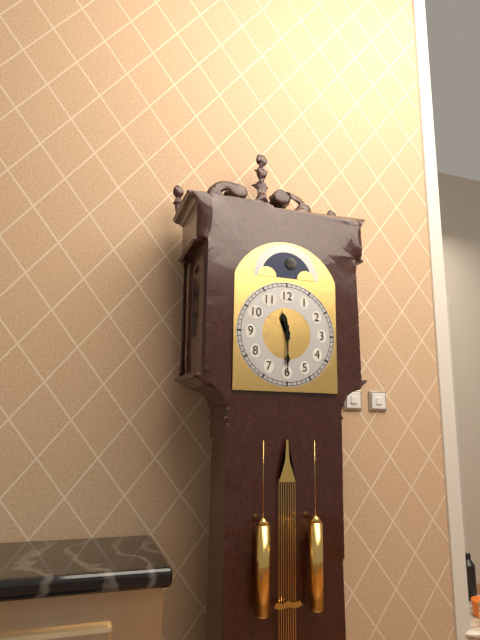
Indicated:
h=11 m=30
